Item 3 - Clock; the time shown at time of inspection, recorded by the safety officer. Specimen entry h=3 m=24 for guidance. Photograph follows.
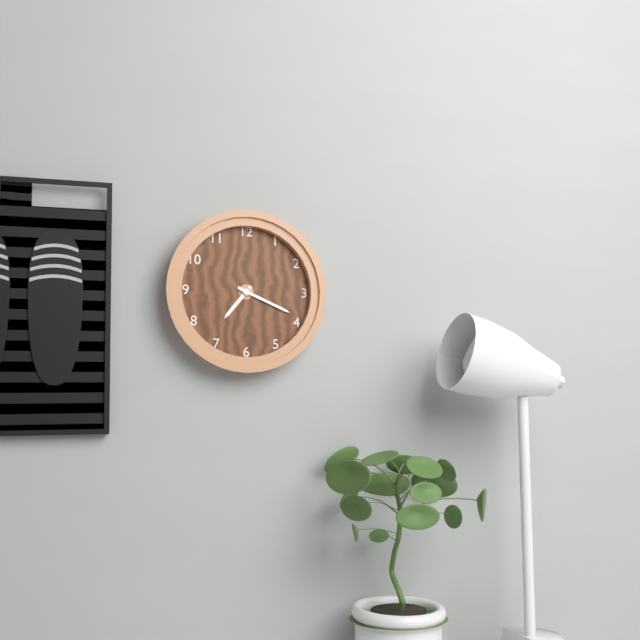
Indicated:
h=7 m=19
